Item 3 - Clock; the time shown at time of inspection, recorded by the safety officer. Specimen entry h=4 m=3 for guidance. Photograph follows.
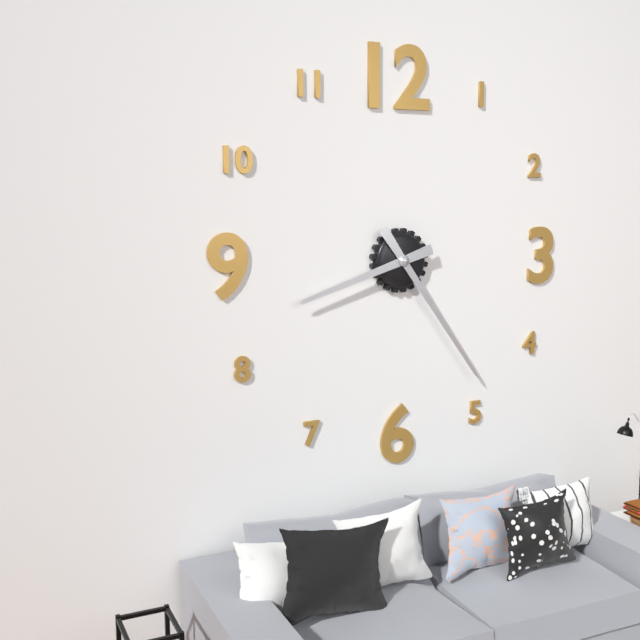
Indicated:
h=8 m=24
